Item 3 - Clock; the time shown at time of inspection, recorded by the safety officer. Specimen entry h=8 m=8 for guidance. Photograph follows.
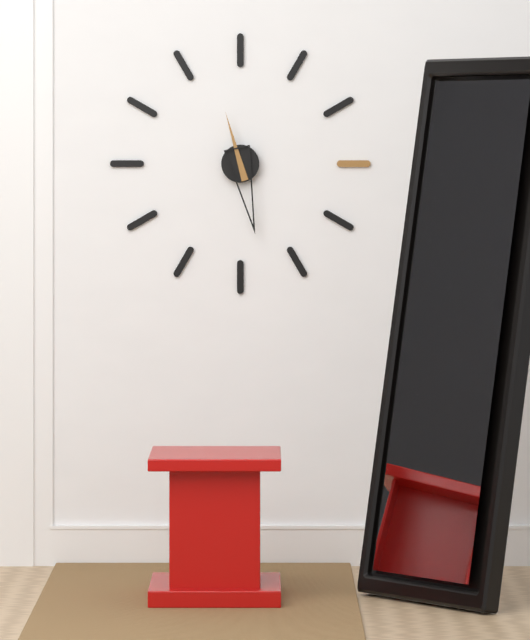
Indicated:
h=11 m=28
